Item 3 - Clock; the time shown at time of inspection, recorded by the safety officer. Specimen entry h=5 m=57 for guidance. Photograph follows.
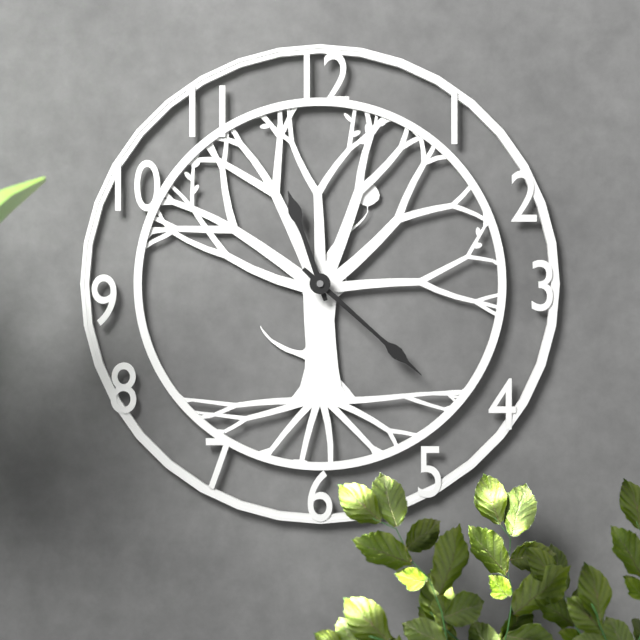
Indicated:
h=11 m=22
